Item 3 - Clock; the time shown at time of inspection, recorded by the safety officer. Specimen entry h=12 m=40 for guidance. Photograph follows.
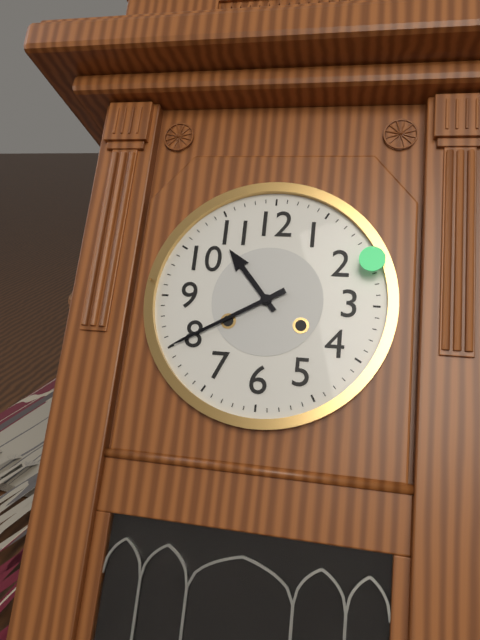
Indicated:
h=10 m=40
